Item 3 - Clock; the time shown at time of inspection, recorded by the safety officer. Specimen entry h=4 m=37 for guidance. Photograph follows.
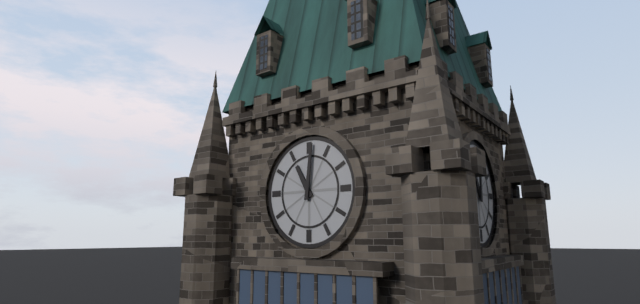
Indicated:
h=11 m=1
